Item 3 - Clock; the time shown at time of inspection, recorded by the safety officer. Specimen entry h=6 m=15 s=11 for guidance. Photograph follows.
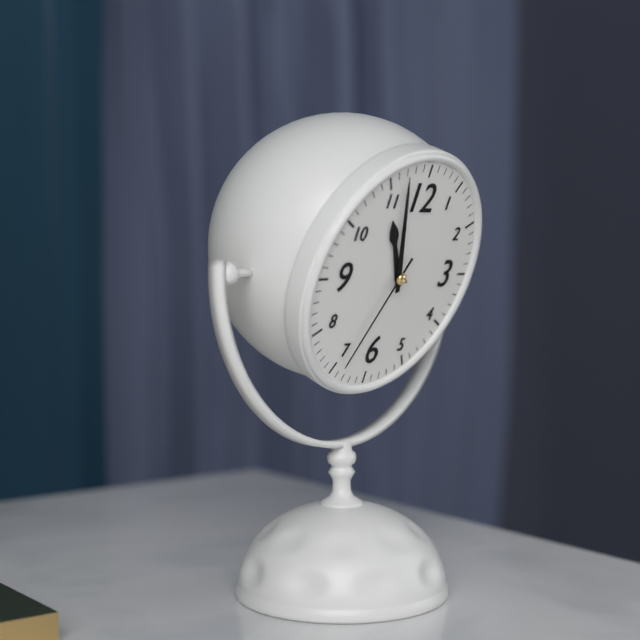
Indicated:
h=10 m=57 s=34
